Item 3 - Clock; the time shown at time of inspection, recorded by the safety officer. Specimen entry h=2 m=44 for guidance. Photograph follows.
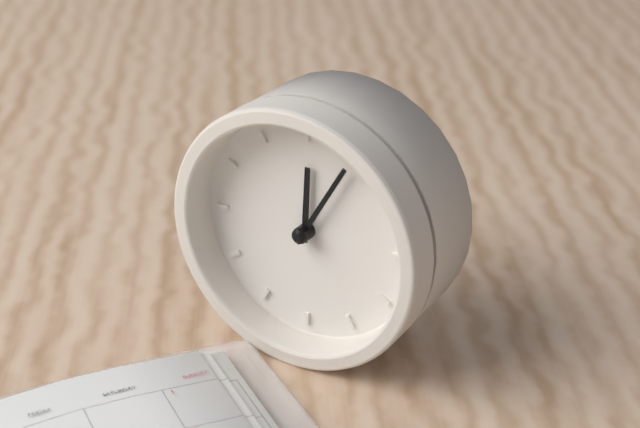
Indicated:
h=12 m=5
